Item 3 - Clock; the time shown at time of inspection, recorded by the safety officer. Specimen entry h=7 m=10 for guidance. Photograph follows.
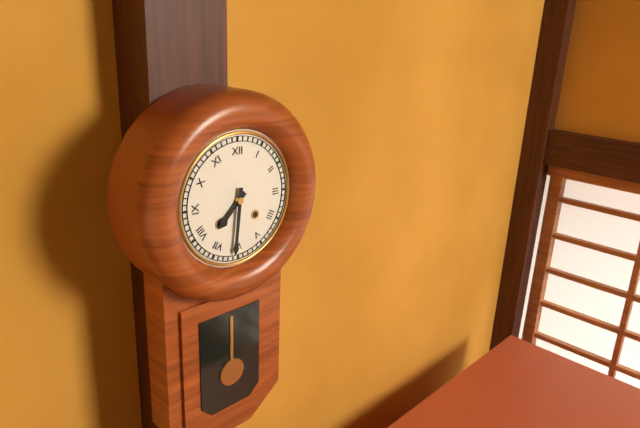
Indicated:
h=7 m=31
